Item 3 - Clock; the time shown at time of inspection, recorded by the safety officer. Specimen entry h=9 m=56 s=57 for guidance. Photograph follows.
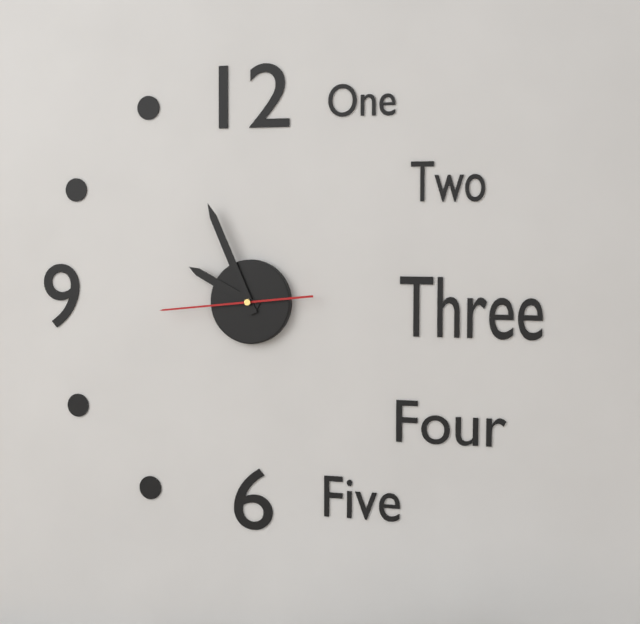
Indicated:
h=9 m=56 s=44
